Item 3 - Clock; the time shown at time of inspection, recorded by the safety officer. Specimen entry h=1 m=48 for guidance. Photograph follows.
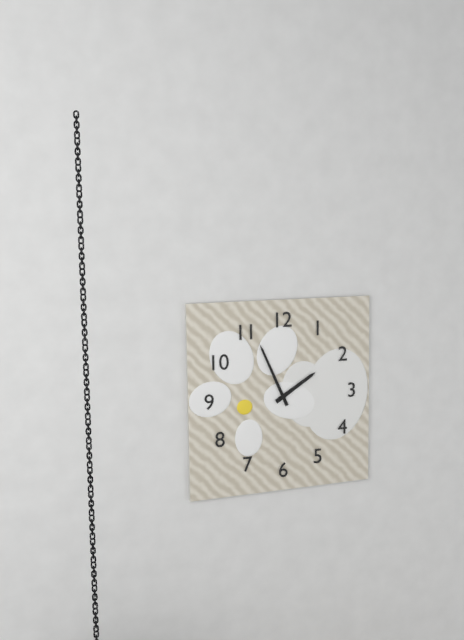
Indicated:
h=1 m=56
